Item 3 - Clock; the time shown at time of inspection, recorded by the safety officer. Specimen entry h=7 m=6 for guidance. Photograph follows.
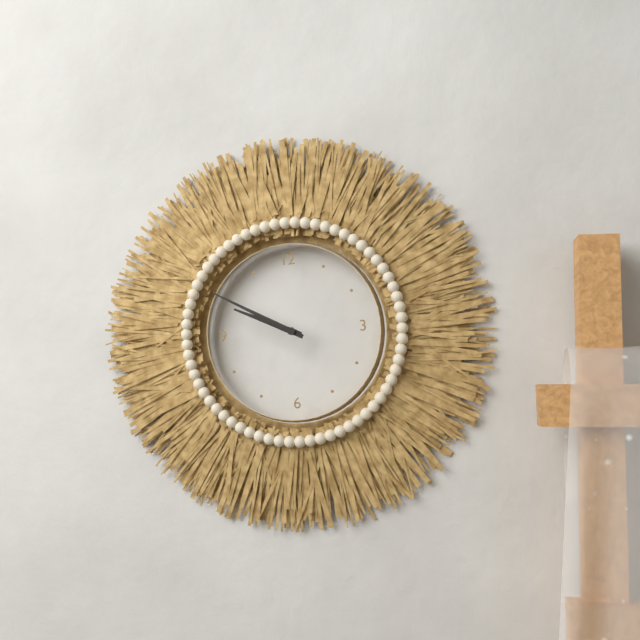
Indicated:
h=9 m=50
